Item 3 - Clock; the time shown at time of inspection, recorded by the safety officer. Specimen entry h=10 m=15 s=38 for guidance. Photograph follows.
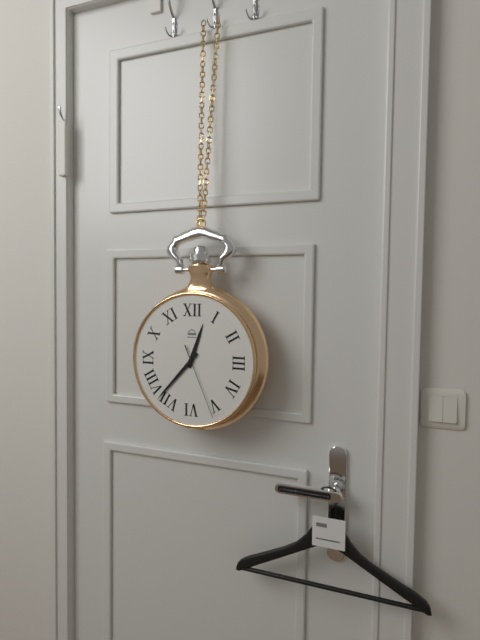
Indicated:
h=12 m=37 s=26
